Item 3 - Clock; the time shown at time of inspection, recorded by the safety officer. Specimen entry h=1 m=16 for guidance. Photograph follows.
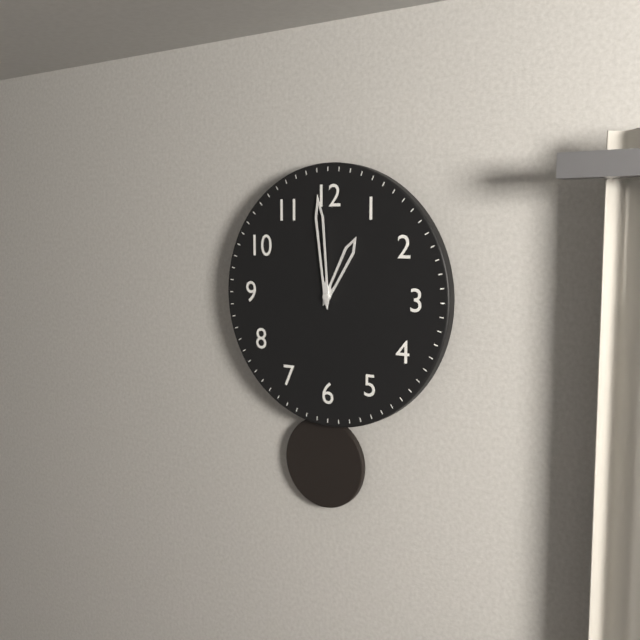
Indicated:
h=12 m=59
